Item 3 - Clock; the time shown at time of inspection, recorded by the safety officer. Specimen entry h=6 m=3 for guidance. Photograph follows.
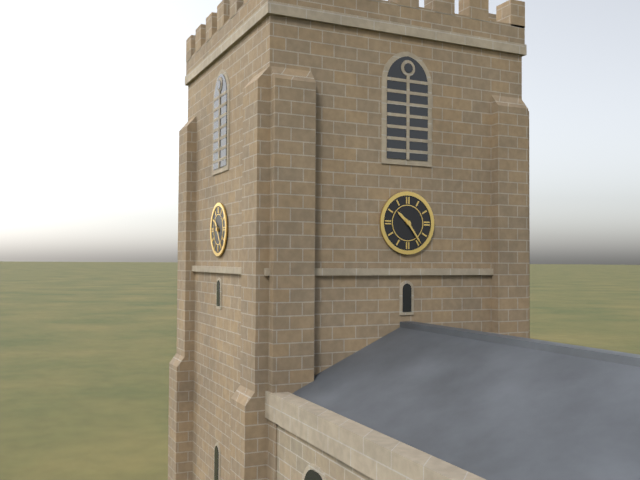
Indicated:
h=10 m=24
